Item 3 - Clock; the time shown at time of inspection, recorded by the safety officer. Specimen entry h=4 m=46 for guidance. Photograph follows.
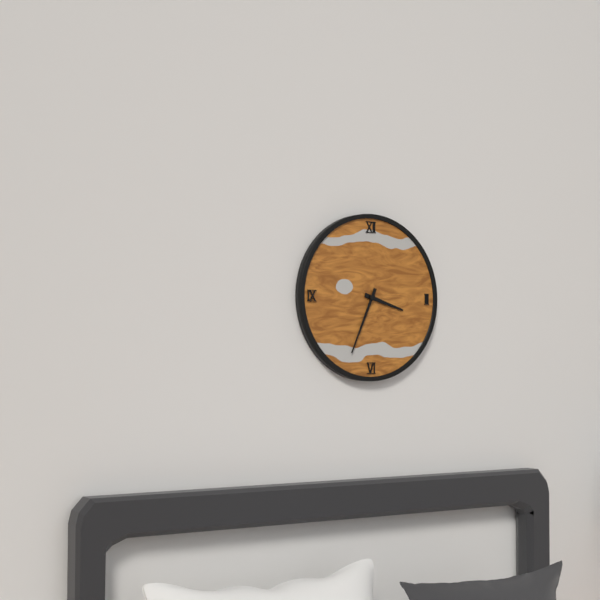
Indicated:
h=3 m=34
